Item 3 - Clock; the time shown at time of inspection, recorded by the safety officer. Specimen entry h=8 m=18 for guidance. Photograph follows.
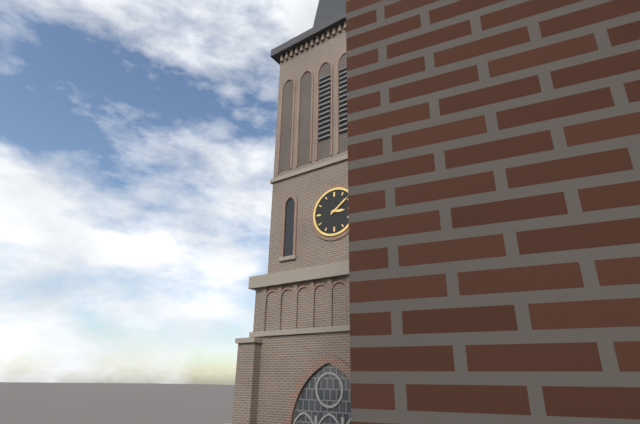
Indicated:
h=3 m=9
